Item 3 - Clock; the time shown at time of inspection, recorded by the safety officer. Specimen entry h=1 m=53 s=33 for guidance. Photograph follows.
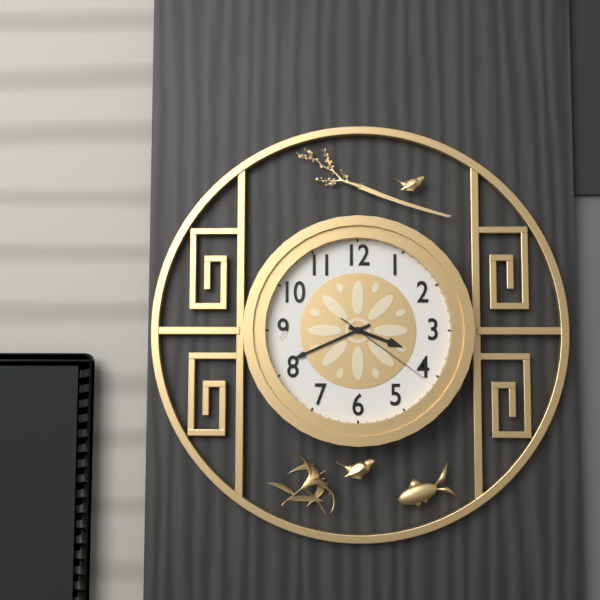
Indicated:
h=3 m=41 s=21
